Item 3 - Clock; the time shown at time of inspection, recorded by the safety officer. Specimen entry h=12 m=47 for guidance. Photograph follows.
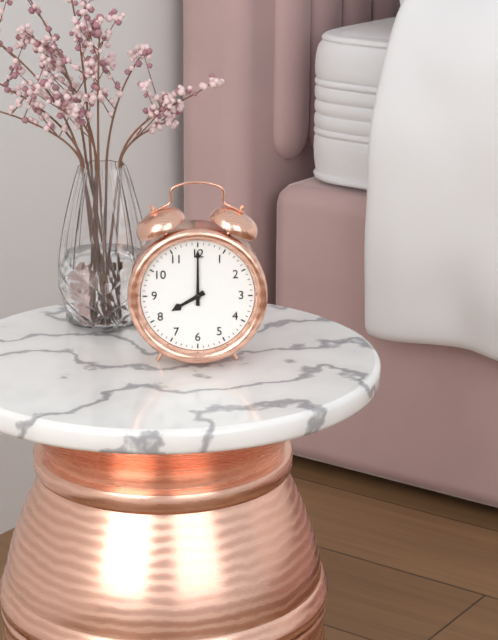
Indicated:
h=8 m=0
